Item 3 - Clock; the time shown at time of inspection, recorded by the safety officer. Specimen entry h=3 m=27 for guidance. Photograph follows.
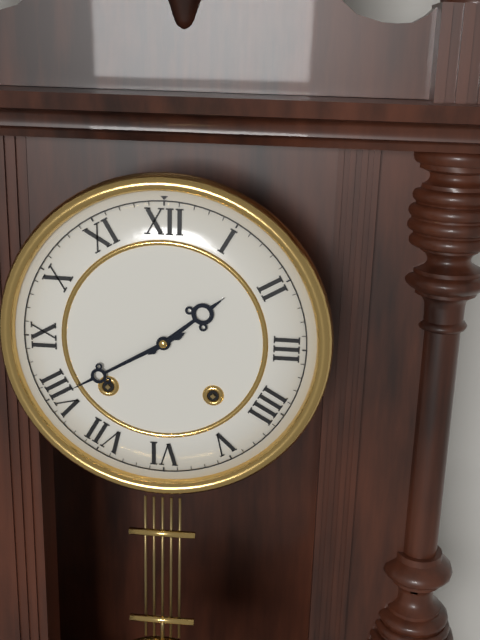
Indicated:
h=1 m=40
